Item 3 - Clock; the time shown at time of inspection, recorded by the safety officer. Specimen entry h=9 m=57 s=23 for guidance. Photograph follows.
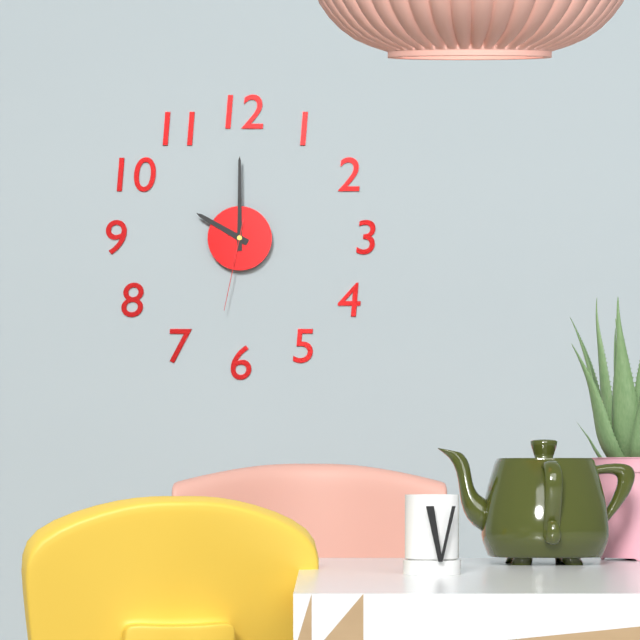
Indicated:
h=10 m=0 s=32
